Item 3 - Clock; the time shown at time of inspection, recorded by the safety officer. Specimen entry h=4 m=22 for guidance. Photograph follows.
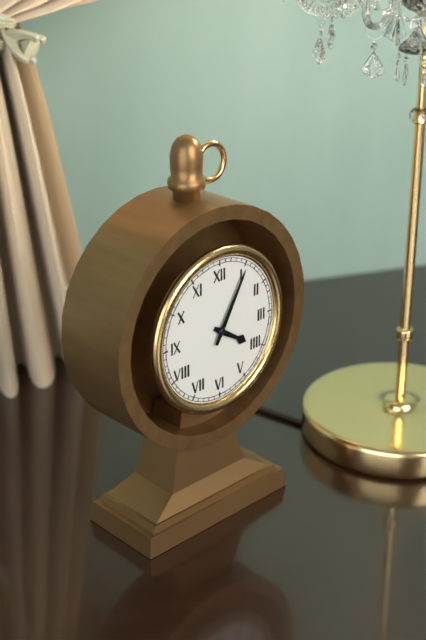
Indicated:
h=4 m=5
